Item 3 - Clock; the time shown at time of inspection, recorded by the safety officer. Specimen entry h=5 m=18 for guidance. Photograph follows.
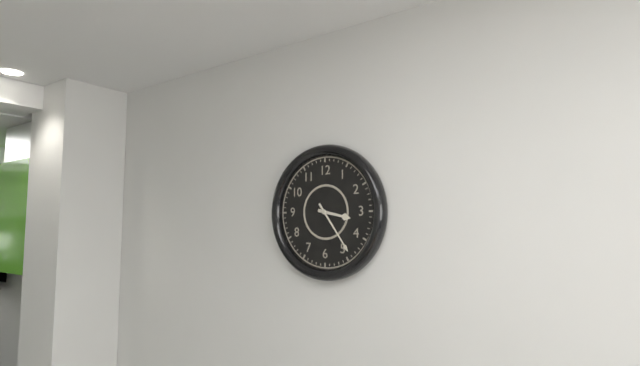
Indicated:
h=3 m=24
